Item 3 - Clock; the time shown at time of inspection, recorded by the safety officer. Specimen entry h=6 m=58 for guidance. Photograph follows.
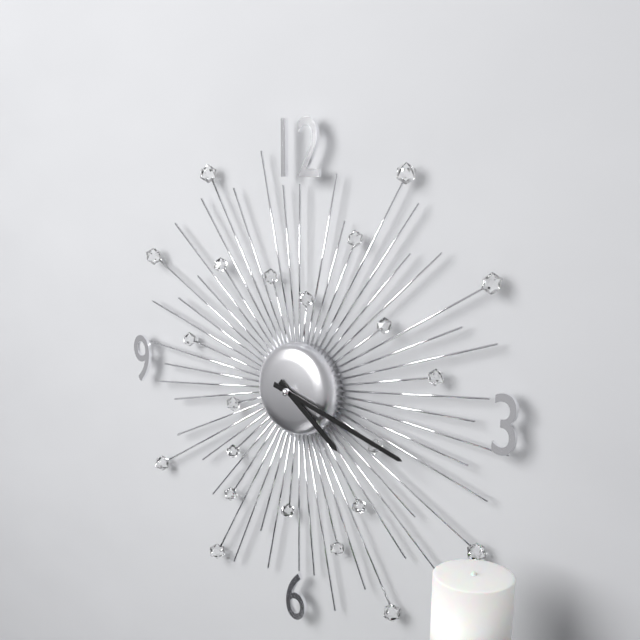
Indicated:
h=4 m=18
